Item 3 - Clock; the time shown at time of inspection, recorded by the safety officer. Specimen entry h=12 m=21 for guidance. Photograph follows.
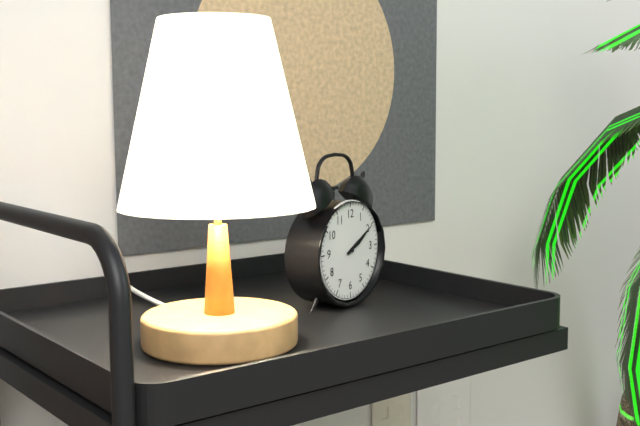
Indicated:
h=2 m=10
